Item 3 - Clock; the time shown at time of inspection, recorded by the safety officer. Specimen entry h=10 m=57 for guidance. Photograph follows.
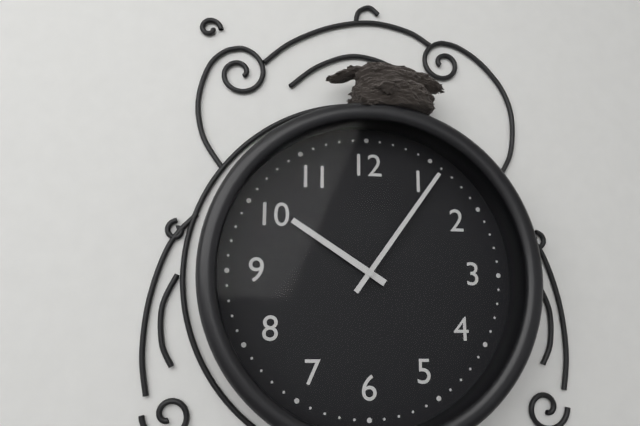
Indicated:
h=10 m=6
